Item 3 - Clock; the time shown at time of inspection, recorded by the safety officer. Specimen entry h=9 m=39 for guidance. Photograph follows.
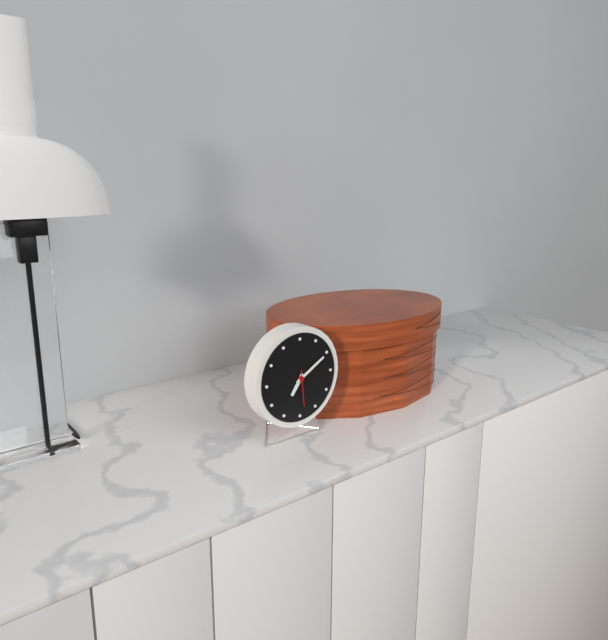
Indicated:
h=7 m=10
